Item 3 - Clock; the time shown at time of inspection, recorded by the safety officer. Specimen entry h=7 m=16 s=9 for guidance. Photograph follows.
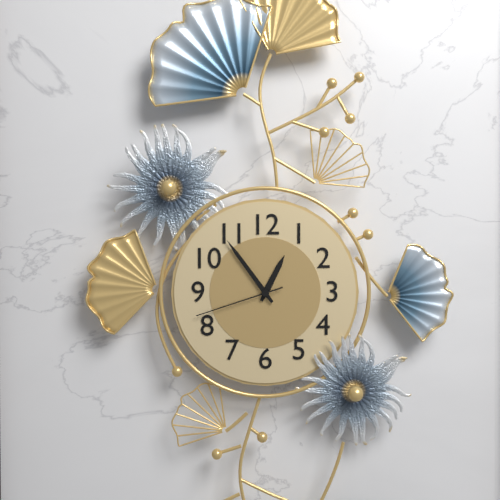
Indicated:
h=12 m=54 s=42
